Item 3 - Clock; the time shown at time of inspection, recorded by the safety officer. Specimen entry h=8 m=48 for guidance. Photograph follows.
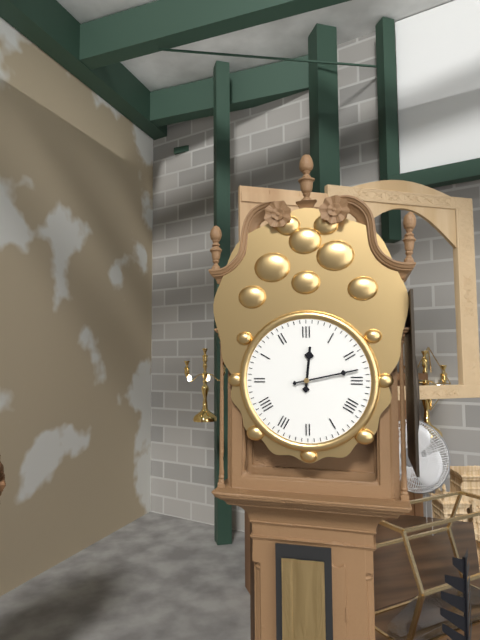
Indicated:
h=12 m=13
